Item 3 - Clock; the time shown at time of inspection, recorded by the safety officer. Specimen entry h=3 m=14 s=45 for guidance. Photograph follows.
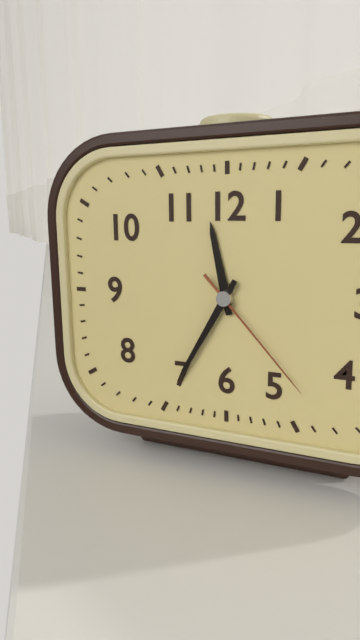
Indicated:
h=11 m=35 s=23
